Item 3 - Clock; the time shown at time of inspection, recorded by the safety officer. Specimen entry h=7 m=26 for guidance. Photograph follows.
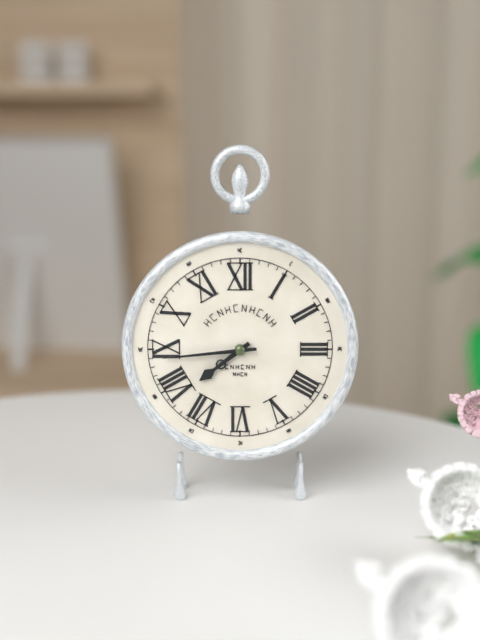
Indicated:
h=7 m=44
